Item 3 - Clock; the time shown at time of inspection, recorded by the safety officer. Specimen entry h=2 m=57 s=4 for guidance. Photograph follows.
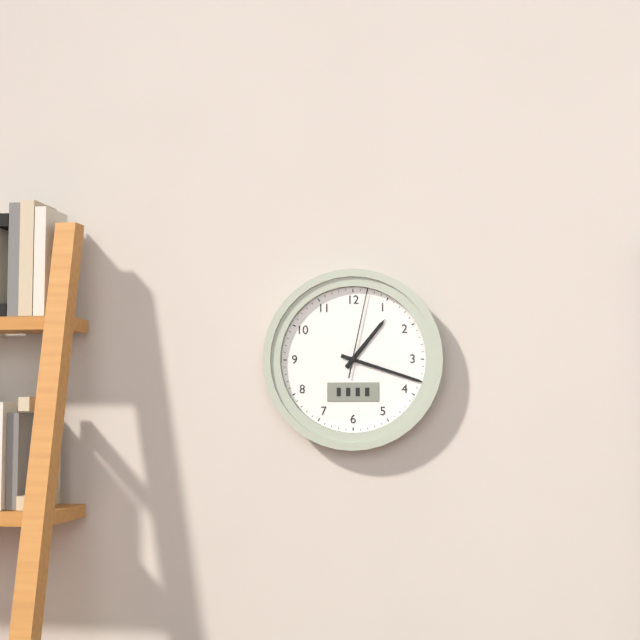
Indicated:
h=1 m=18 s=2
